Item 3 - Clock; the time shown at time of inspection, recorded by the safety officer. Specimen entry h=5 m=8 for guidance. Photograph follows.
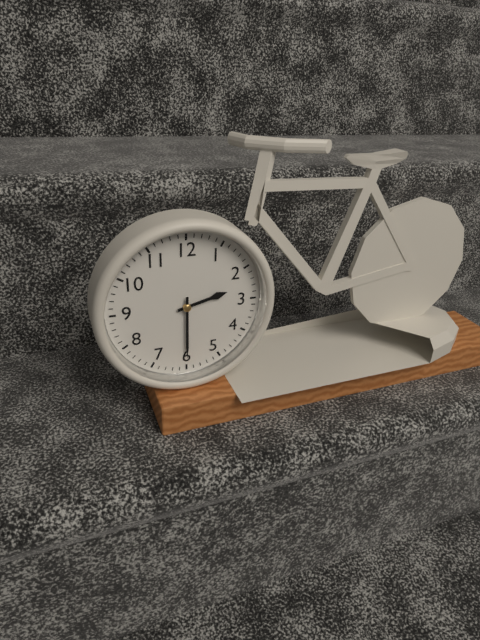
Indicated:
h=2 m=30
